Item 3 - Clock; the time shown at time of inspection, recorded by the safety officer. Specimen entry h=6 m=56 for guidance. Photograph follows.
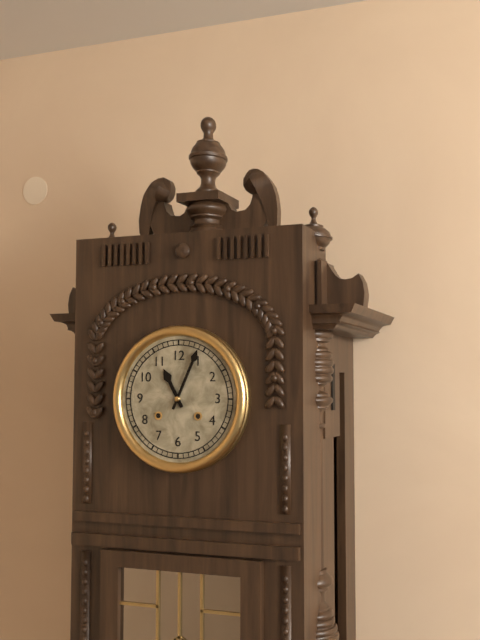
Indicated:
h=11 m=4
